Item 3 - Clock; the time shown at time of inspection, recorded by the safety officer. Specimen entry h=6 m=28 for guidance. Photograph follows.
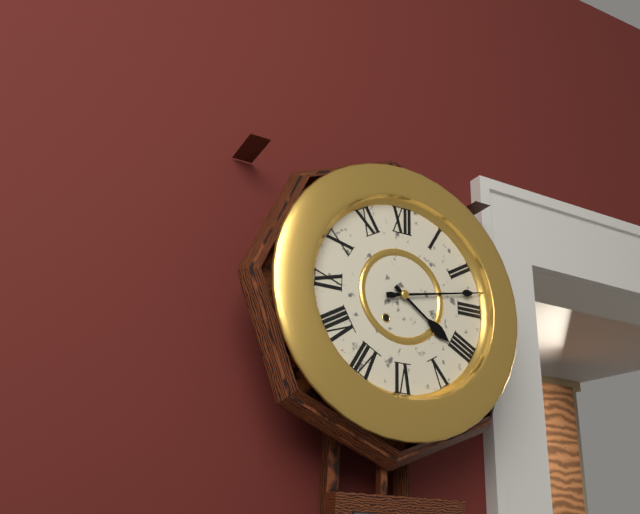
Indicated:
h=4 m=13
